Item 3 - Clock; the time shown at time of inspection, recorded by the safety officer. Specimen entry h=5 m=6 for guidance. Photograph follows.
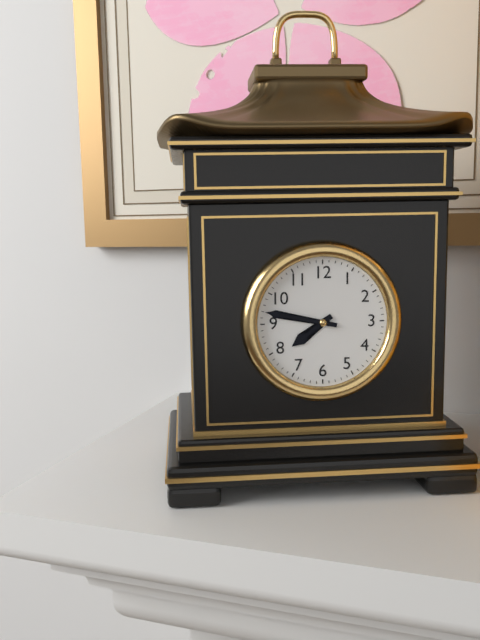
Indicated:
h=7 m=47
